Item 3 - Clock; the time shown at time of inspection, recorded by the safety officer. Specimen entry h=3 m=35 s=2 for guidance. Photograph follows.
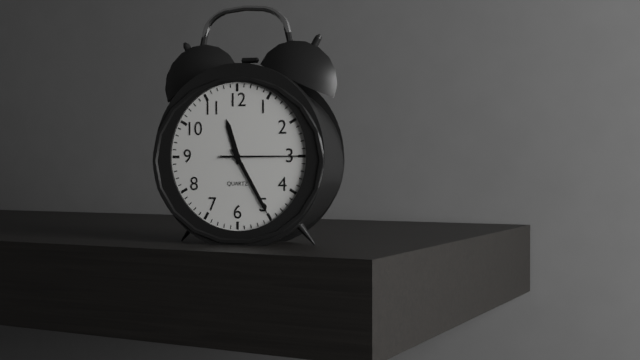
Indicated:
h=11 m=25 s=15
